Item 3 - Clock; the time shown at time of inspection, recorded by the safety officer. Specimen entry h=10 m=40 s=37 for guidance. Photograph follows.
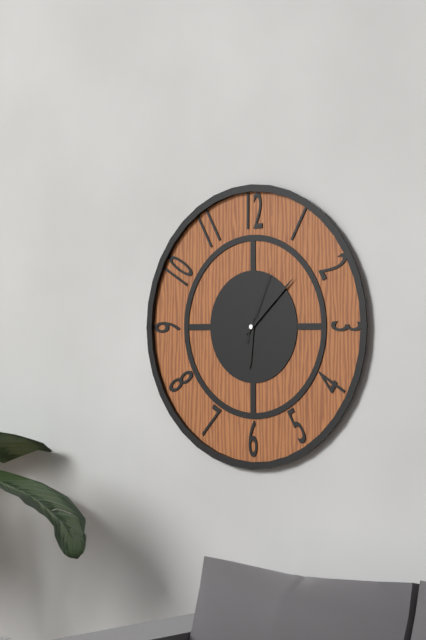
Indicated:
h=6 m=8 s=4
